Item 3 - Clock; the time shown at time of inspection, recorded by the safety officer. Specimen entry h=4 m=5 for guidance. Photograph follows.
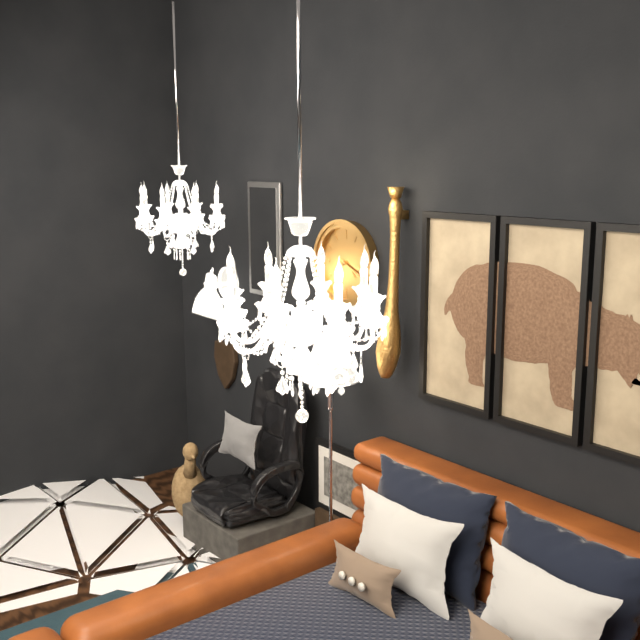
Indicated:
h=4 m=19
